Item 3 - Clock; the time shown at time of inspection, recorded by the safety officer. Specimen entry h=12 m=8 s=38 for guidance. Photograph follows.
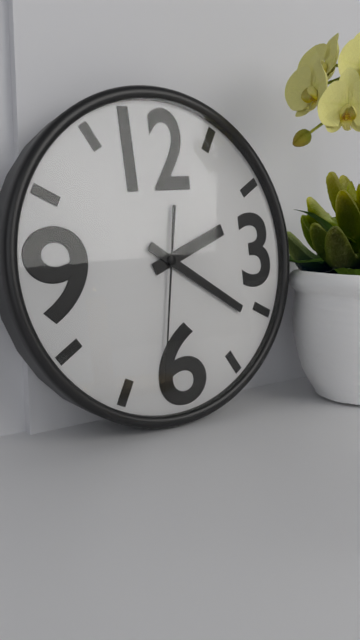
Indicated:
h=2 m=21 s=32
